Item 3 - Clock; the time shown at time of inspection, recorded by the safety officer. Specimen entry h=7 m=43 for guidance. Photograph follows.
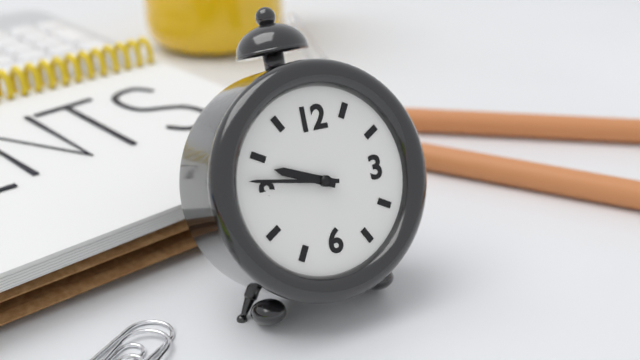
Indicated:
h=9 m=47
